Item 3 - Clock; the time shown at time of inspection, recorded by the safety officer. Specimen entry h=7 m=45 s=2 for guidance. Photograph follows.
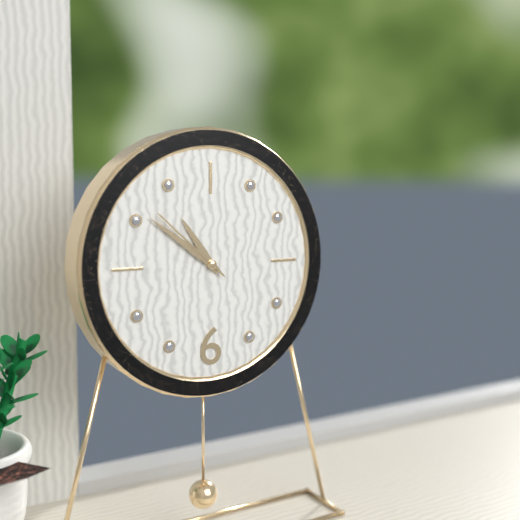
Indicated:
h=10 m=51 s=52
